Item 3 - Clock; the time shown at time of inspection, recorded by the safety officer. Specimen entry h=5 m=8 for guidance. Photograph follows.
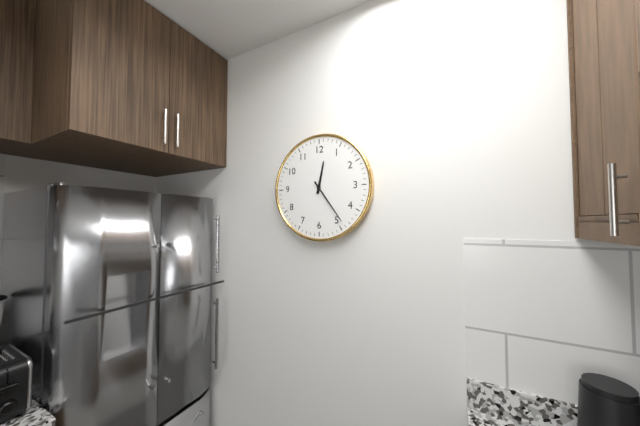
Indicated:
h=12 m=24
